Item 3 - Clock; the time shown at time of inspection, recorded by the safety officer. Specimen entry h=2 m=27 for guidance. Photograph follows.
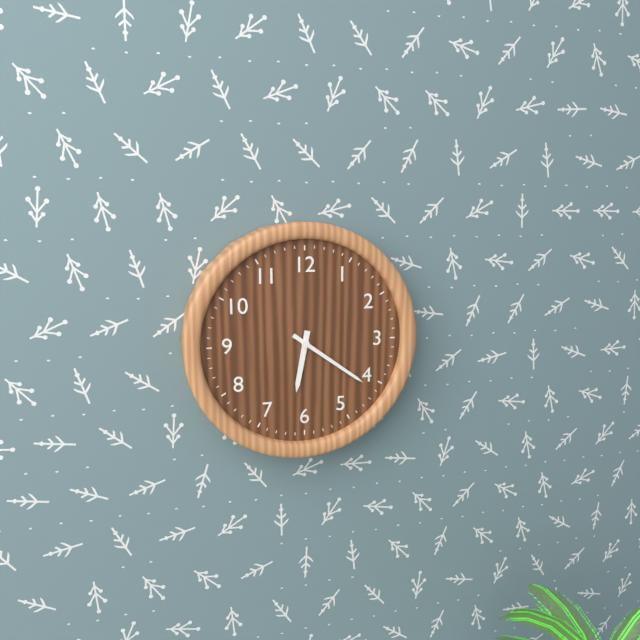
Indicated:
h=6 m=21
